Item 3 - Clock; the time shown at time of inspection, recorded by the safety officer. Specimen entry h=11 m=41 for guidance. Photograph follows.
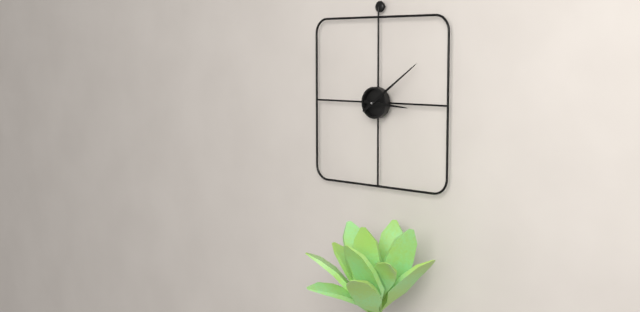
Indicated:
h=3 m=9
